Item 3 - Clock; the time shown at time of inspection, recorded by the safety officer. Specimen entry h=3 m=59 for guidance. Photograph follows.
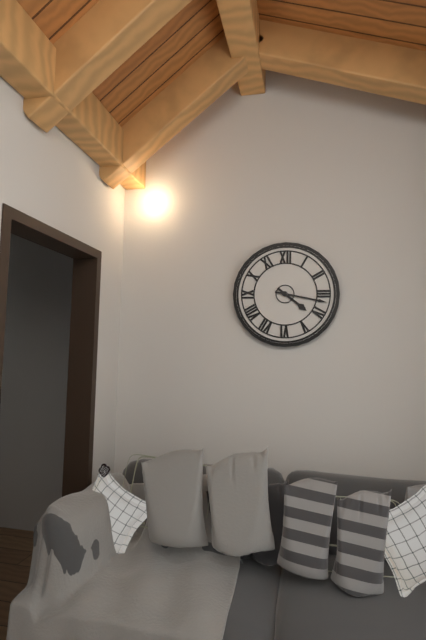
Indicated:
h=4 m=17
